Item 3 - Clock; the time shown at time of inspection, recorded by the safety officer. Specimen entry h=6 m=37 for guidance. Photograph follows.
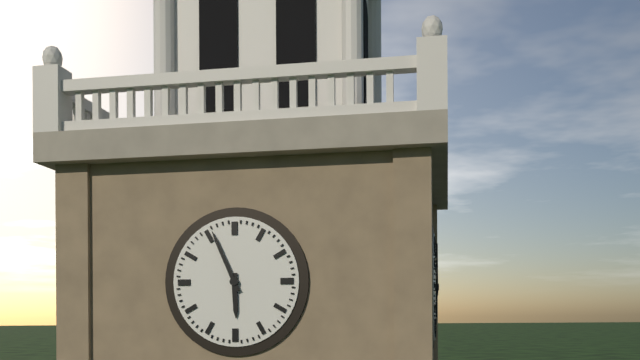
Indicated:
h=5 m=56
